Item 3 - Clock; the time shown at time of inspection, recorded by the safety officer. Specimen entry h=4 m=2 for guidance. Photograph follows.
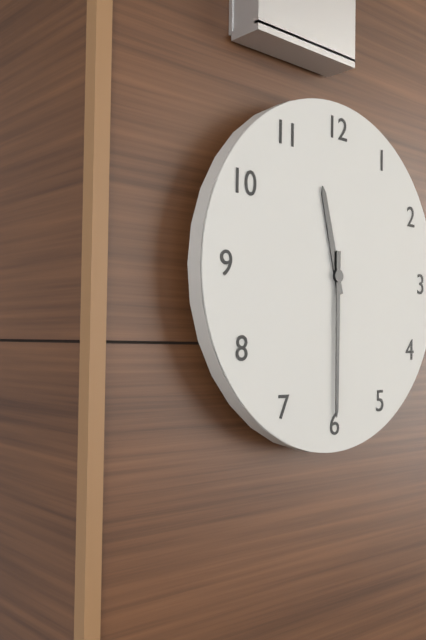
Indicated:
h=11 m=30
